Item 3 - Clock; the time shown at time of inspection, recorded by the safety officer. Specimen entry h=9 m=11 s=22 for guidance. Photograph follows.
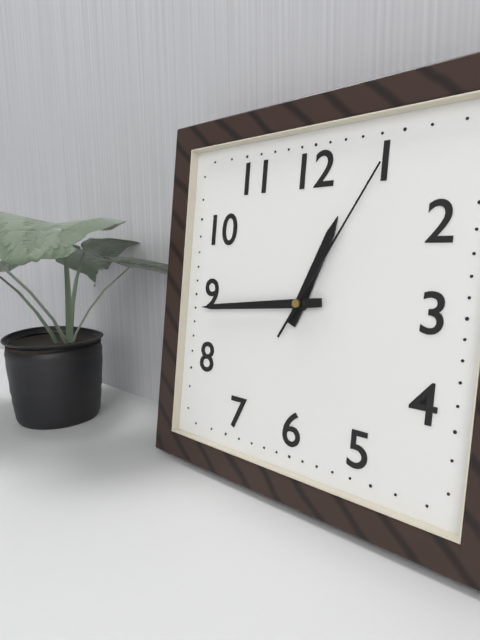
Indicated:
h=12 m=44 s=5
